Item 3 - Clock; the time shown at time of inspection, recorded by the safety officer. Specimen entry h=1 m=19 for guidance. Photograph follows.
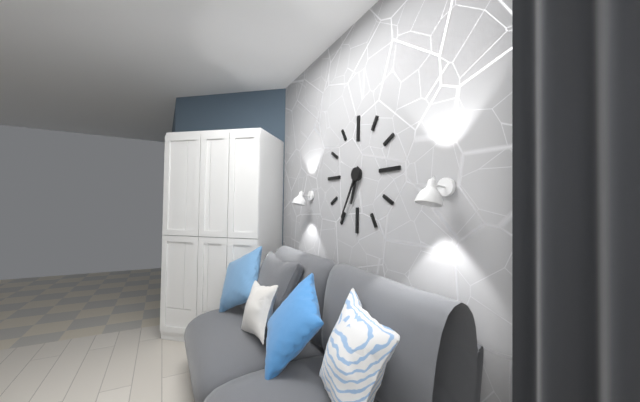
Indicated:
h=6 m=35
